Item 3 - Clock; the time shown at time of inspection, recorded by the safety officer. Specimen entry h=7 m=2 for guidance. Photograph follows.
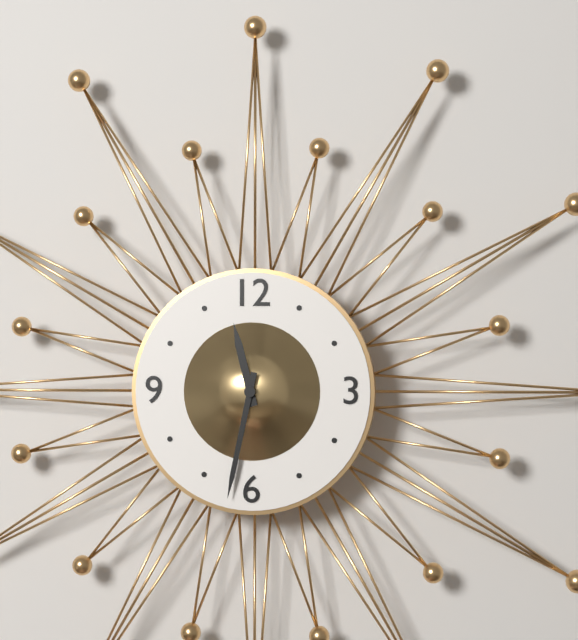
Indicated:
h=11 m=32
